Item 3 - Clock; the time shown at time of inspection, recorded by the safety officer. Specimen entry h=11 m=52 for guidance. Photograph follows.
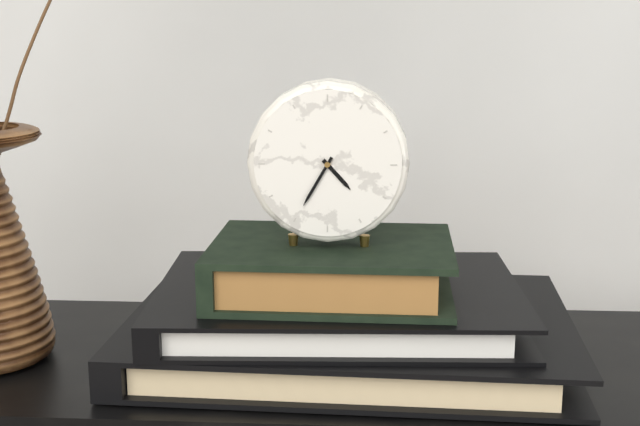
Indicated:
h=4 m=35
